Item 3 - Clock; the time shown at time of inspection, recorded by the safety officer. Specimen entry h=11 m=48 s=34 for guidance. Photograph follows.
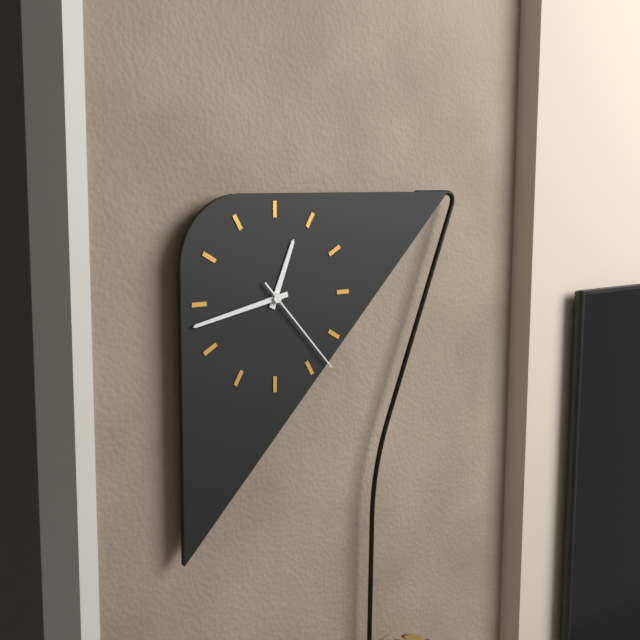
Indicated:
h=12 m=43 s=23
